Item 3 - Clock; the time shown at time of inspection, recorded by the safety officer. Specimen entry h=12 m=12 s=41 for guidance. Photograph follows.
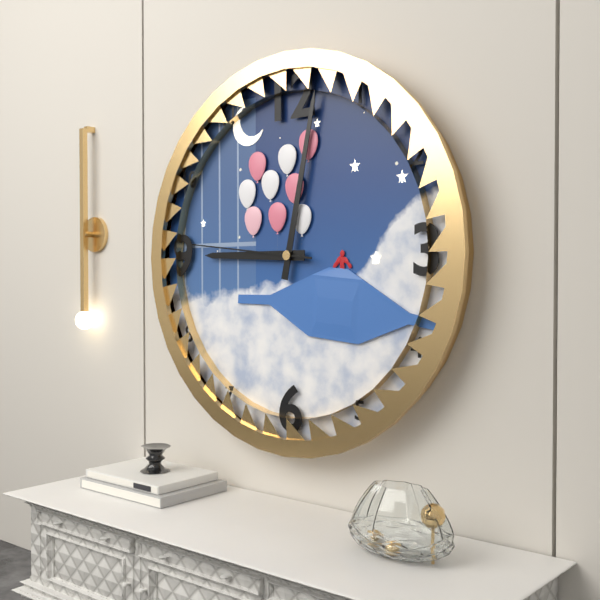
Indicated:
h=9 m=2 s=46
